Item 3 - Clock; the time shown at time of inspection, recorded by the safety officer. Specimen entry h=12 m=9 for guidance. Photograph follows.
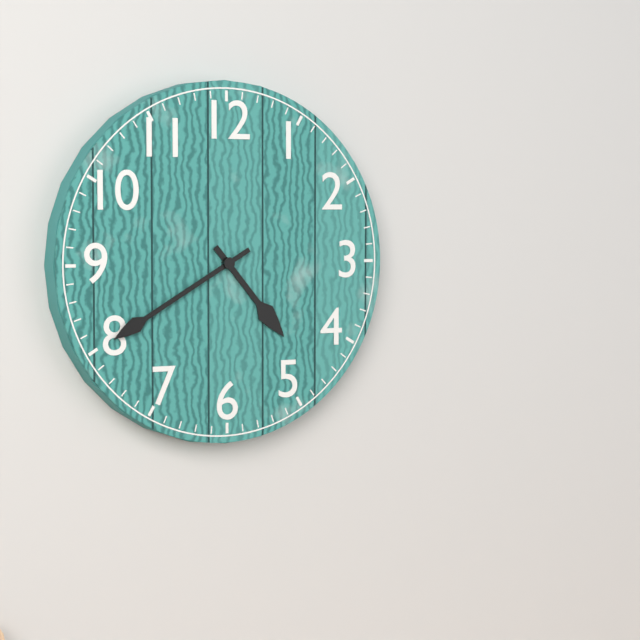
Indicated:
h=4 m=40
